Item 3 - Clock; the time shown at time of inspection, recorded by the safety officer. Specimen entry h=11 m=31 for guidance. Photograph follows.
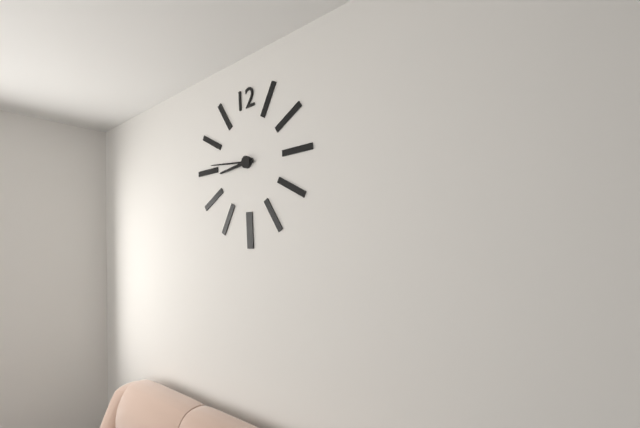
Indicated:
h=8 m=46
